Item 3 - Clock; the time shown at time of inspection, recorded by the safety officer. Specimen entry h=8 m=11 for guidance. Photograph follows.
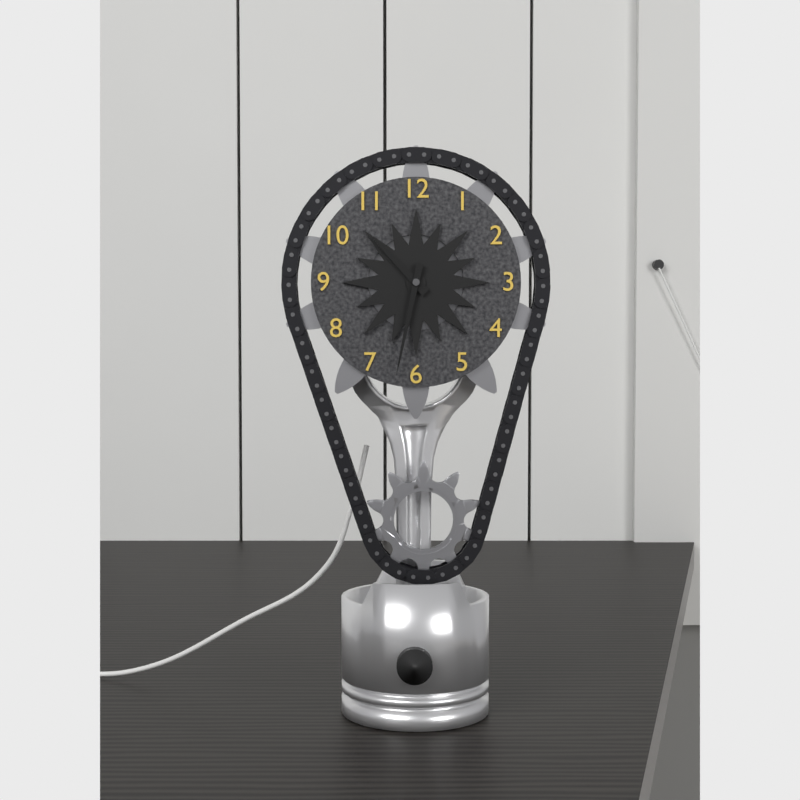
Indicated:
h=10 m=32
